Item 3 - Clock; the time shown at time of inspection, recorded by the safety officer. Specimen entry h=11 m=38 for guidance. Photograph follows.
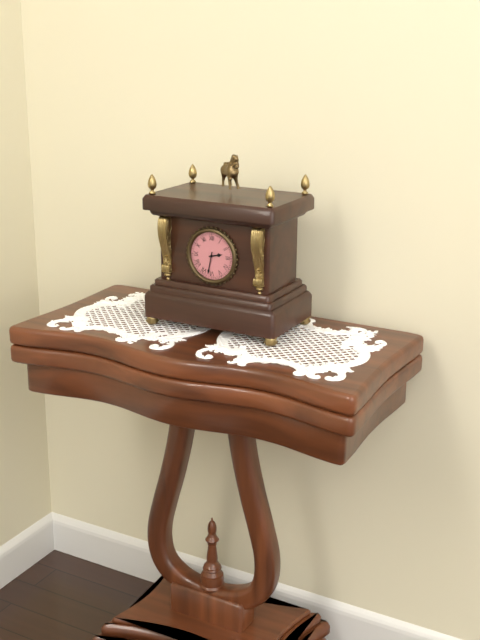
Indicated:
h=2 m=32
